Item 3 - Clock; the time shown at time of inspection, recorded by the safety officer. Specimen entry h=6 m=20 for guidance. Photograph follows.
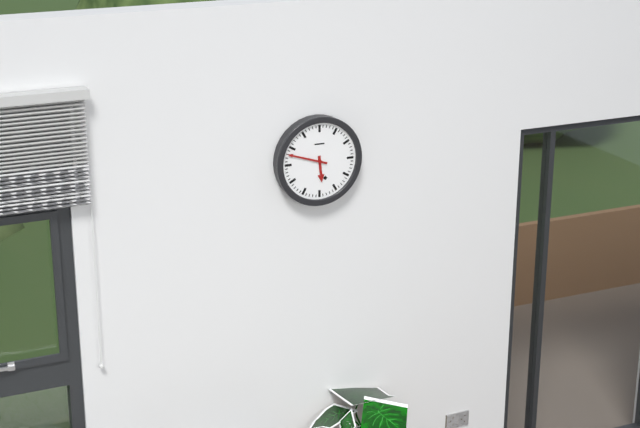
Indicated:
h=5 m=48
